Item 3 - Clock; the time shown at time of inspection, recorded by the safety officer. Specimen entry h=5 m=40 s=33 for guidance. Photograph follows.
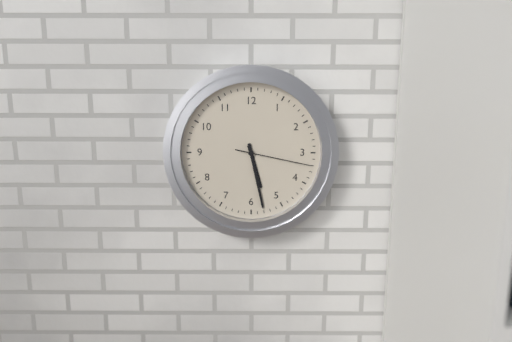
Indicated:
h=5 m=28 s=17
